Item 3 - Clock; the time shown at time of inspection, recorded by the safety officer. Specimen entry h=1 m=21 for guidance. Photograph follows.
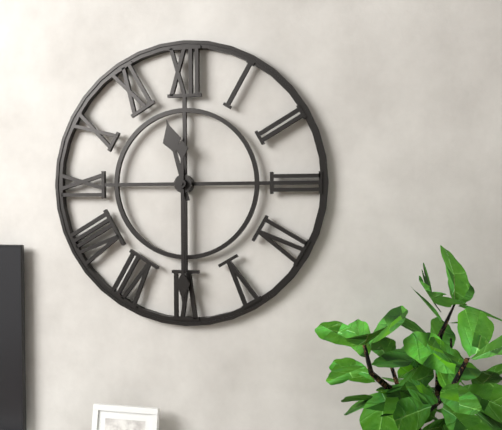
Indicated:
h=11 m=30
